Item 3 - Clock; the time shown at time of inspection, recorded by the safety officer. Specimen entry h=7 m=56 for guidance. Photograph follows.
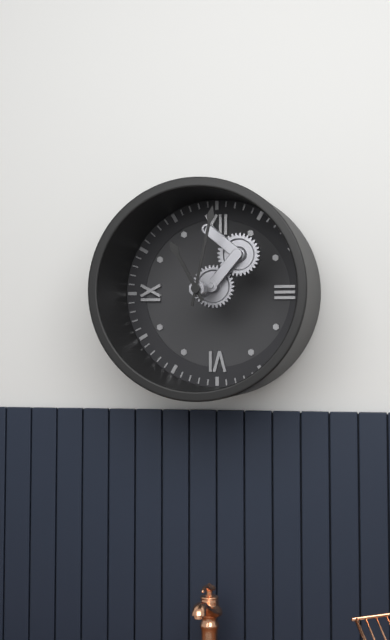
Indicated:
h=11 m=2
